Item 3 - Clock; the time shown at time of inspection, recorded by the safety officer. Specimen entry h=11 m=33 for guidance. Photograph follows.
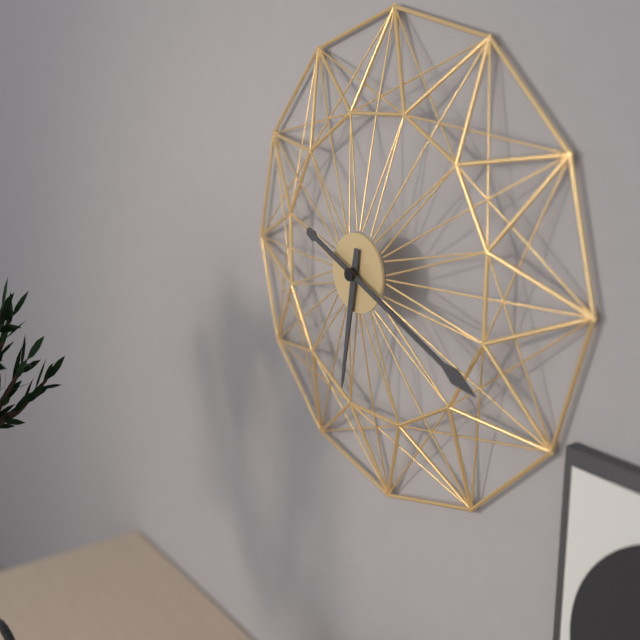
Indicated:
h=6 m=19
